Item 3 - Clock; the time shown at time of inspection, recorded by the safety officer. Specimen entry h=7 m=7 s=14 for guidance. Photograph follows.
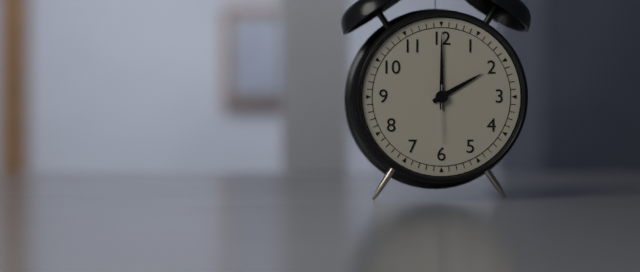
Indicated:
h=2 m=0 s=30
